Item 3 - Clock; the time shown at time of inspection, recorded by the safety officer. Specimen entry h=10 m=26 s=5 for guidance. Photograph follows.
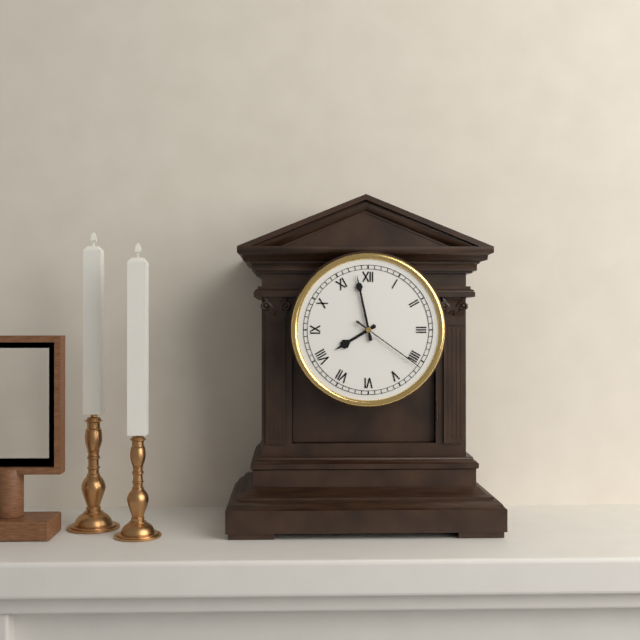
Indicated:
h=7 m=58 s=21
